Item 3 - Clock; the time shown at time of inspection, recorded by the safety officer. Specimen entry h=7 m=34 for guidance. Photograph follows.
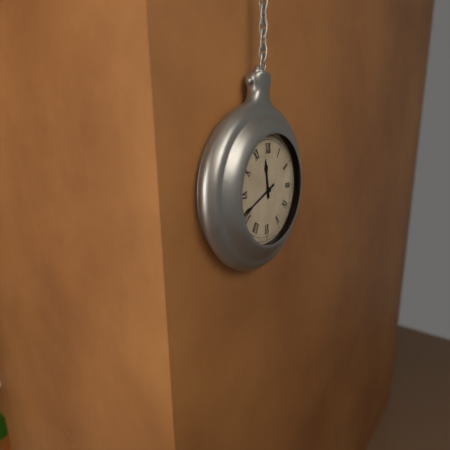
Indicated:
h=11 m=41
